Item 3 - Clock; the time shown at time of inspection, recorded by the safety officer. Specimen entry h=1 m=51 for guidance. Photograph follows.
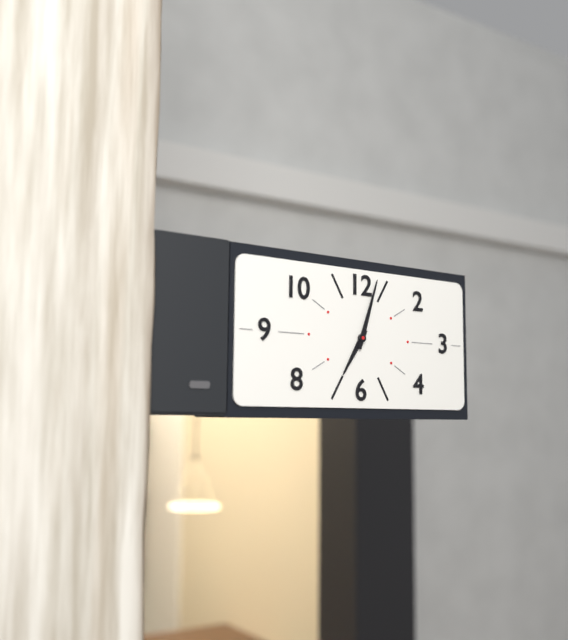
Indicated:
h=7 m=3
